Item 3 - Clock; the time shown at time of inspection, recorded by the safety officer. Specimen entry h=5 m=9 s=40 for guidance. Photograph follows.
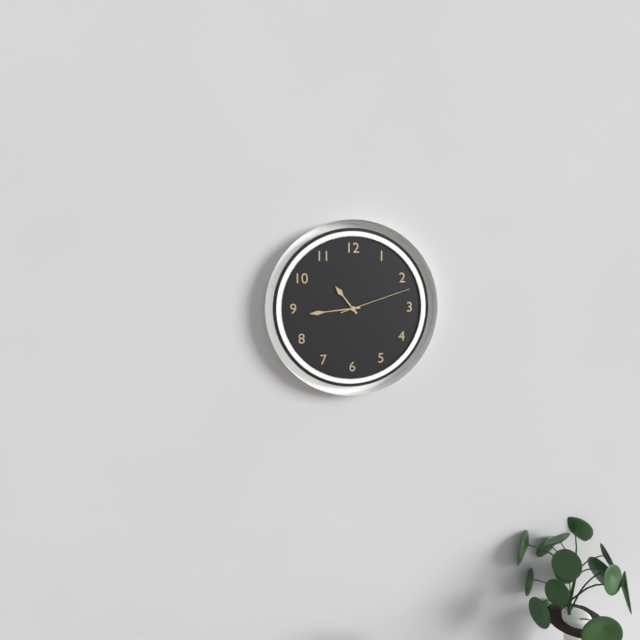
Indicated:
h=10 m=44 s=12
